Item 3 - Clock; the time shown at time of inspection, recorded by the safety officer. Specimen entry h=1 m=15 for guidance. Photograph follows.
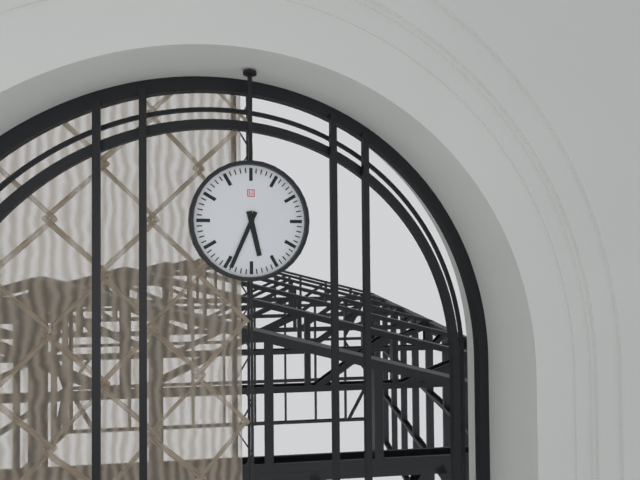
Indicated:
h=5 m=34
